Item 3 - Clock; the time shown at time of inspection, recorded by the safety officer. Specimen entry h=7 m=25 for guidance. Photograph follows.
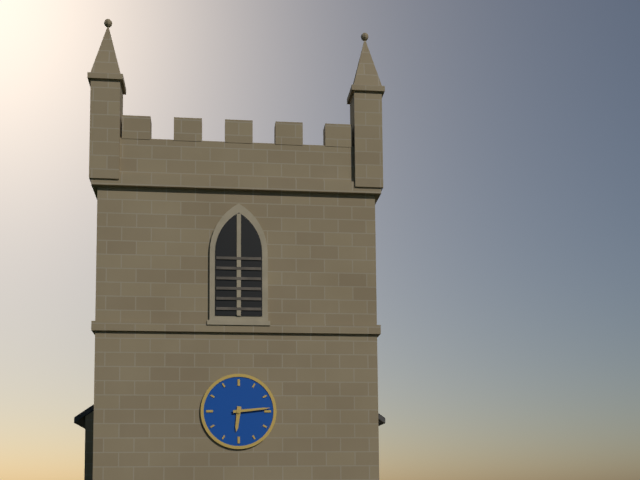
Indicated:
h=6 m=14
